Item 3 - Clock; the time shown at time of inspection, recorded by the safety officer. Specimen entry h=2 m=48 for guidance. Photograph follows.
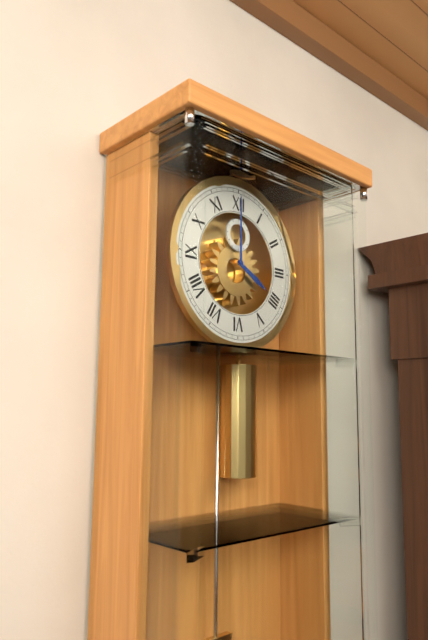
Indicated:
h=4 m=0
